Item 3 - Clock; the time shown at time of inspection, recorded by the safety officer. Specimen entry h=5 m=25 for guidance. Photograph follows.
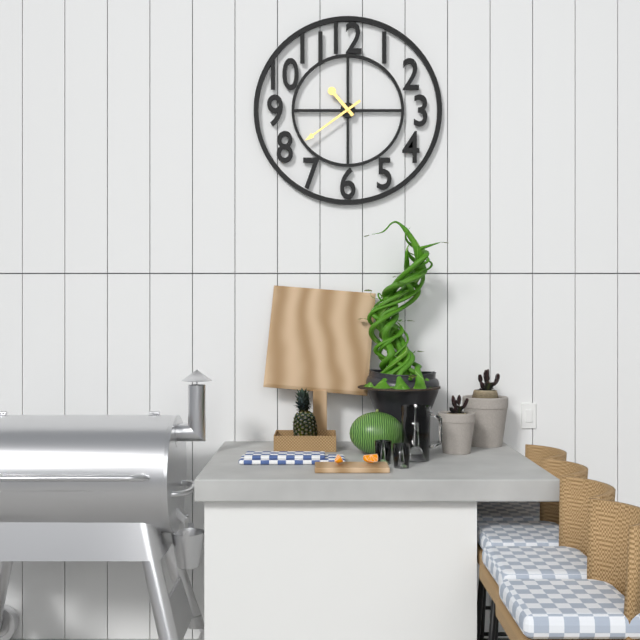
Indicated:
h=10 m=39
